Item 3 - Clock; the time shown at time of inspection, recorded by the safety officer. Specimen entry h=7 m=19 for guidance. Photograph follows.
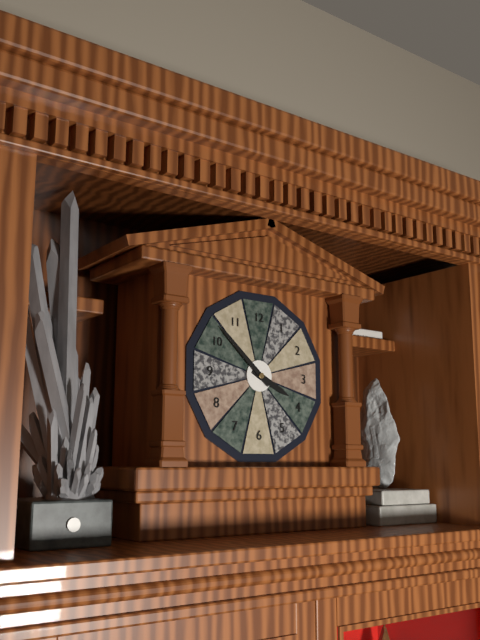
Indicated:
h=3 m=52
